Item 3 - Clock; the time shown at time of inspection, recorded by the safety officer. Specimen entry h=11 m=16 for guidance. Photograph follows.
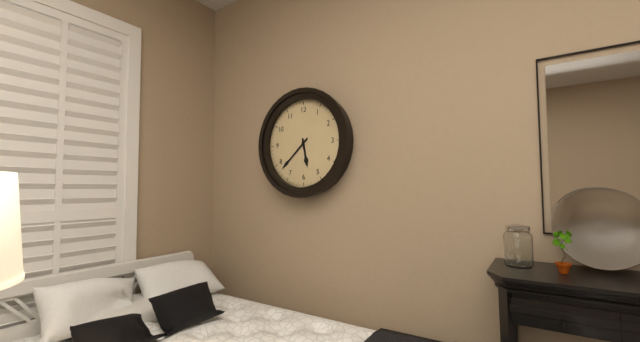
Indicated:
h=5 m=38
